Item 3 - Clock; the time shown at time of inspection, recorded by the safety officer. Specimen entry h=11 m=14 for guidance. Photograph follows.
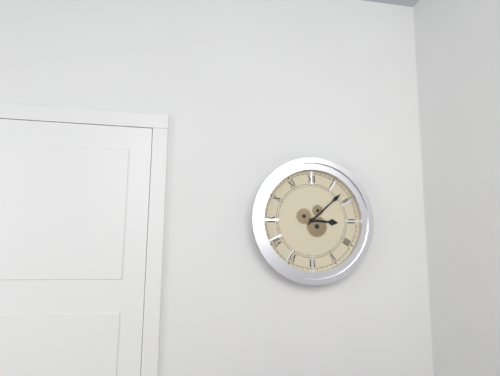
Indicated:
h=3 m=8
